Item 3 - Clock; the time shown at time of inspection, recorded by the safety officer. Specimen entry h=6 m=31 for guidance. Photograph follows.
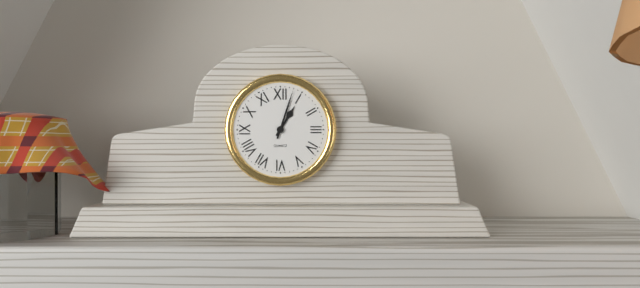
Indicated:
h=1 m=3
